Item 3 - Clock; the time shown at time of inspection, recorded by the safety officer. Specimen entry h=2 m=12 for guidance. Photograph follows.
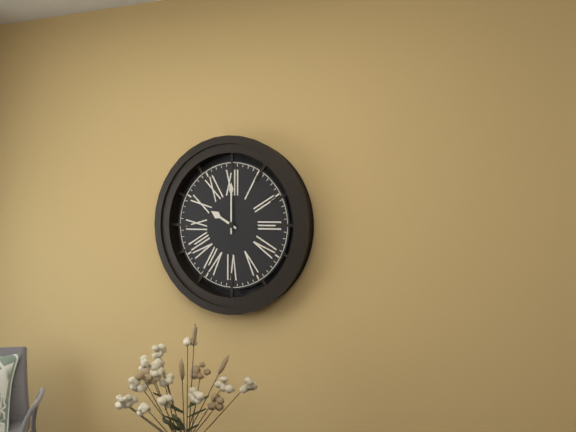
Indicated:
h=10 m=0
